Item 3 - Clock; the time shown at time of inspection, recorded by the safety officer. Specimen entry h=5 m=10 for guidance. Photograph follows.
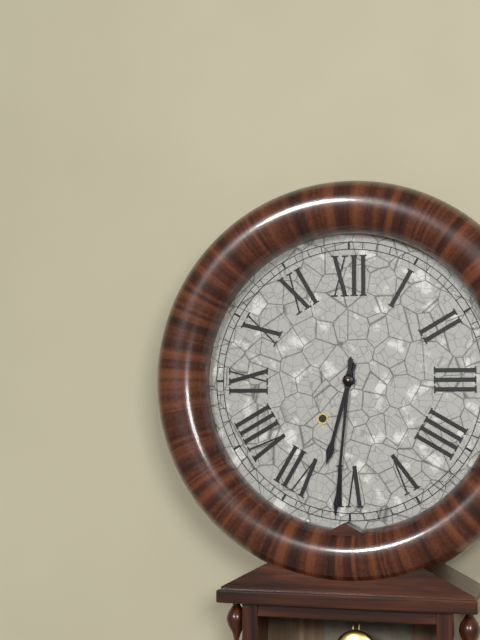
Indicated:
h=6 m=31
